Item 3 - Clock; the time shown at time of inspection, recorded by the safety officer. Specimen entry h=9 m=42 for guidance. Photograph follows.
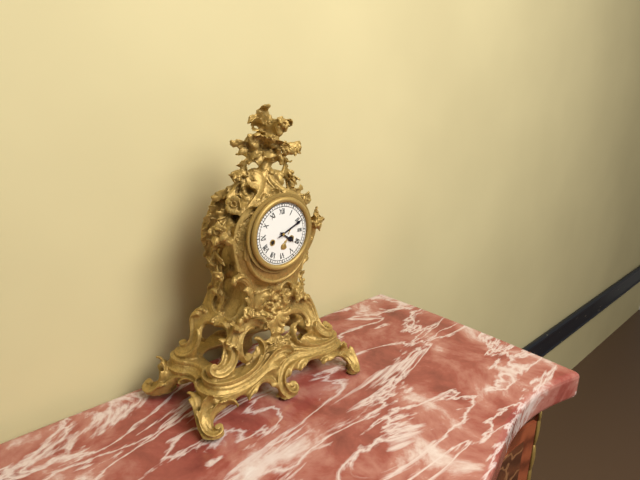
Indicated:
h=4 m=11
